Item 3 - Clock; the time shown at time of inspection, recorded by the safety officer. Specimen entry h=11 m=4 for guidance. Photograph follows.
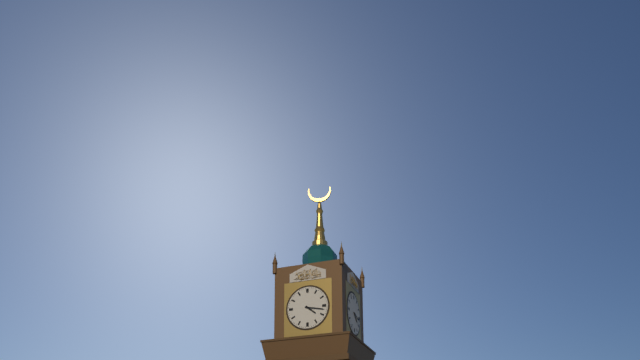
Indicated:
h=4 m=17
